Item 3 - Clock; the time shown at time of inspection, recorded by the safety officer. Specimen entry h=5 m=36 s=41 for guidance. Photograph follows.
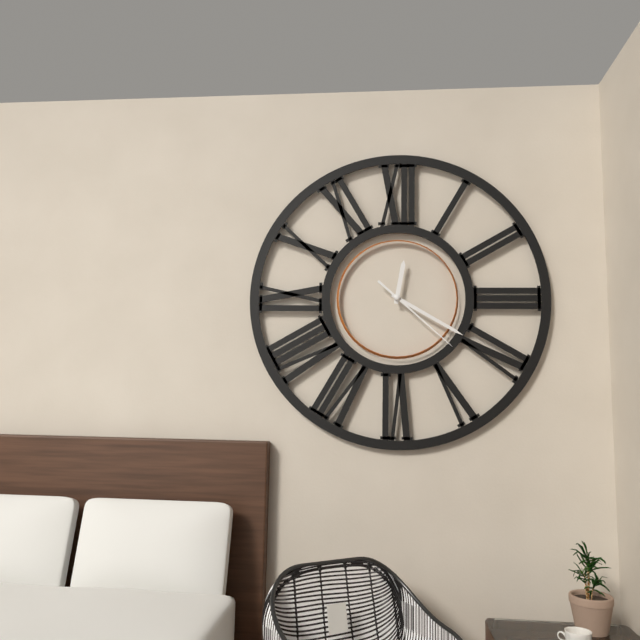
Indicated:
h=12 m=20 s=22
